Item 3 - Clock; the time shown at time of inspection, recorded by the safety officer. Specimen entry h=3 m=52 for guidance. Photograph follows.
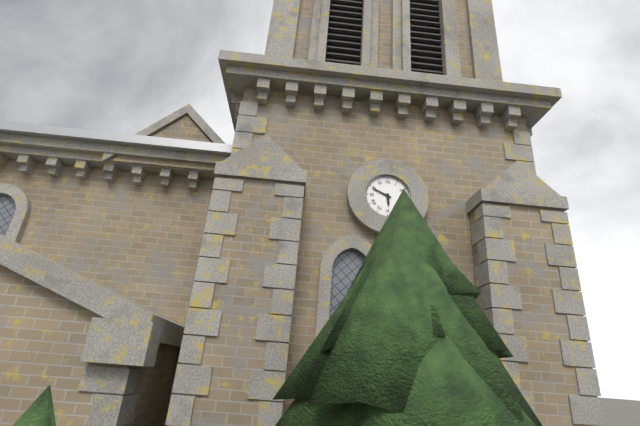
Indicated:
h=5 m=49
